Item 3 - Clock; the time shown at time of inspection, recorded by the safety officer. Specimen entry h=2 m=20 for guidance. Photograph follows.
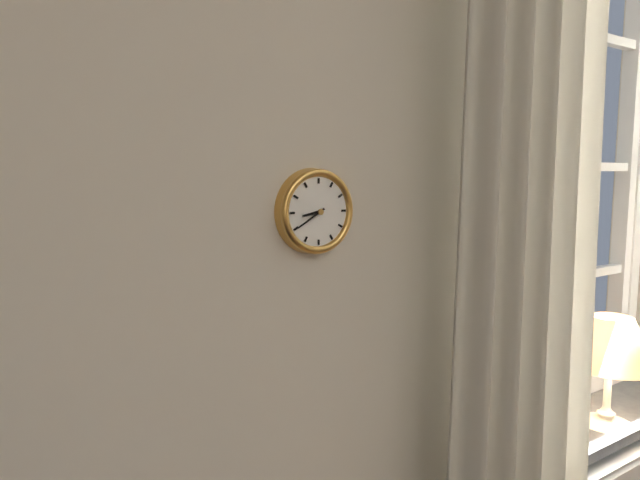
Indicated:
h=8 m=40
